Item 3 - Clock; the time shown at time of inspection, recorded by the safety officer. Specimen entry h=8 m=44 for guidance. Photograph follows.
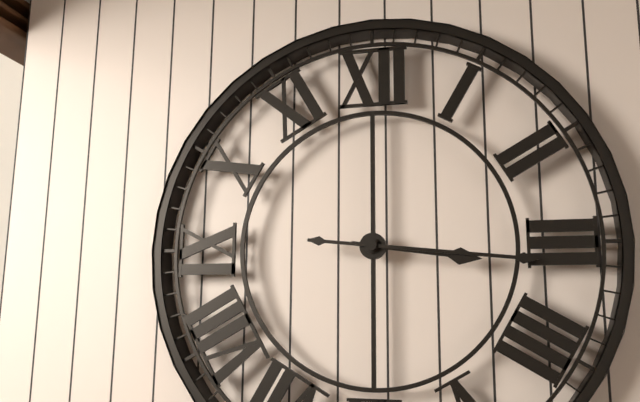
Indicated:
h=3 m=16
